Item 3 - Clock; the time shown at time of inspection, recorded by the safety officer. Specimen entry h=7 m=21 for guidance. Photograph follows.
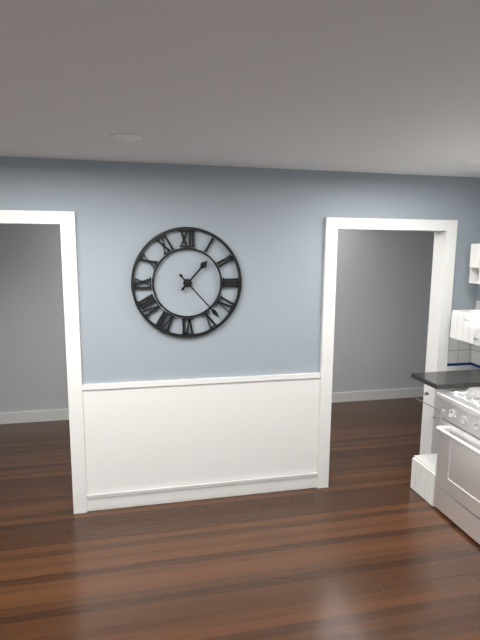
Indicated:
h=1 m=23
